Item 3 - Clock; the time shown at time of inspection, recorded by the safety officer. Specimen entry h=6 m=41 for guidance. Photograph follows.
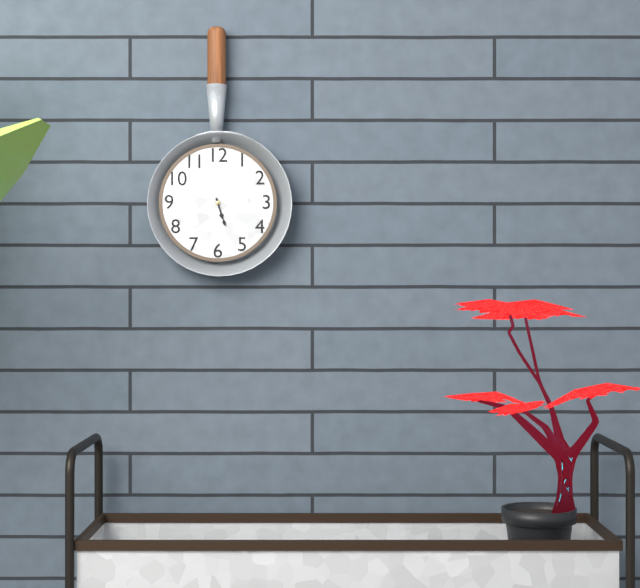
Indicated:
h=5 m=27
